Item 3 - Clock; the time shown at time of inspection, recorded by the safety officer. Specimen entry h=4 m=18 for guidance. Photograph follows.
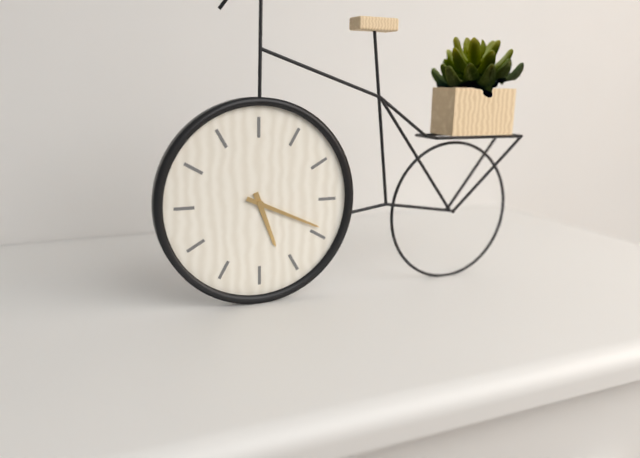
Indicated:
h=5 m=19
